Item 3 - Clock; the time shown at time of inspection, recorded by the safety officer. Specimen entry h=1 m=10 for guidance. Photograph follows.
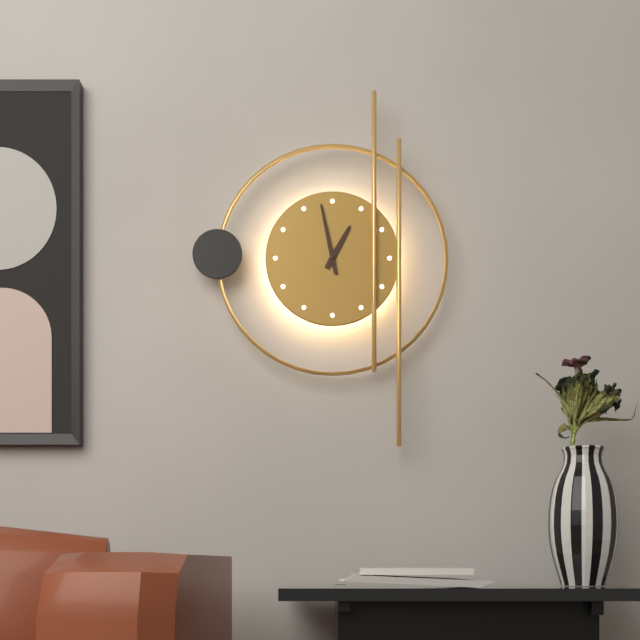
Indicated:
h=12 m=58
